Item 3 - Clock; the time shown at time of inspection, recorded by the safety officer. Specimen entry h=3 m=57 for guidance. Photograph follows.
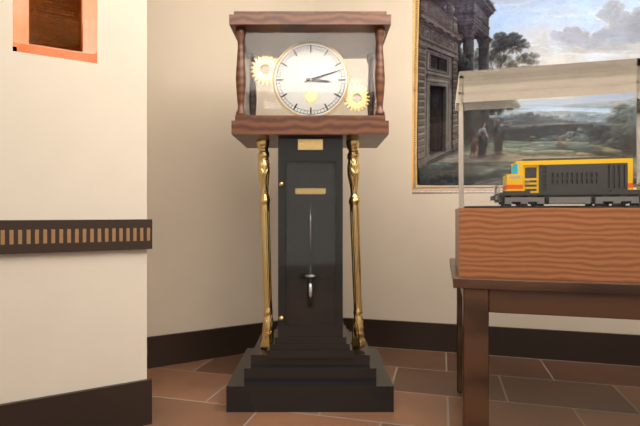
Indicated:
h=3 m=12
